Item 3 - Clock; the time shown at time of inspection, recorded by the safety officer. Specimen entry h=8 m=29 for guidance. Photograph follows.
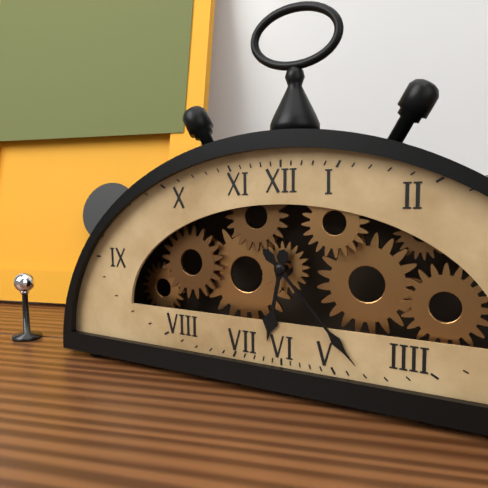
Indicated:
h=6 m=23
